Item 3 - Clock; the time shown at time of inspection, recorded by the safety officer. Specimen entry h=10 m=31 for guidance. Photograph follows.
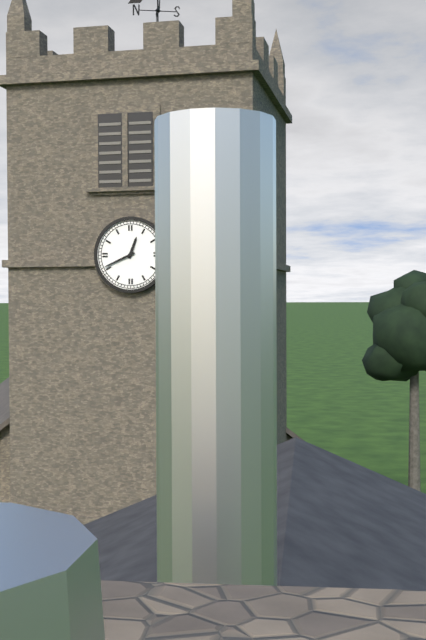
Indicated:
h=12 m=41
